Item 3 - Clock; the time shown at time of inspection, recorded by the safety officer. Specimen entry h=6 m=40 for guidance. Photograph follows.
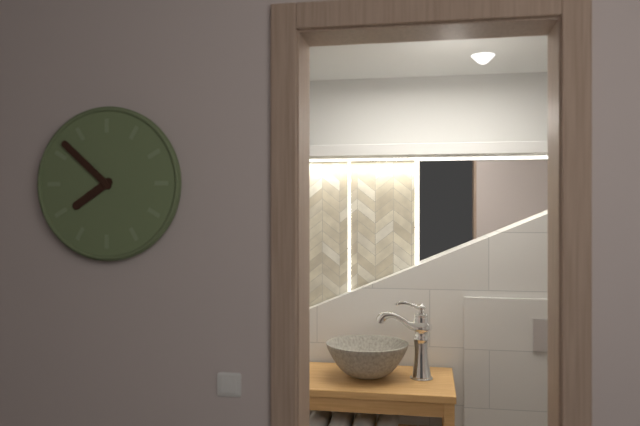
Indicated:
h=7 m=52
